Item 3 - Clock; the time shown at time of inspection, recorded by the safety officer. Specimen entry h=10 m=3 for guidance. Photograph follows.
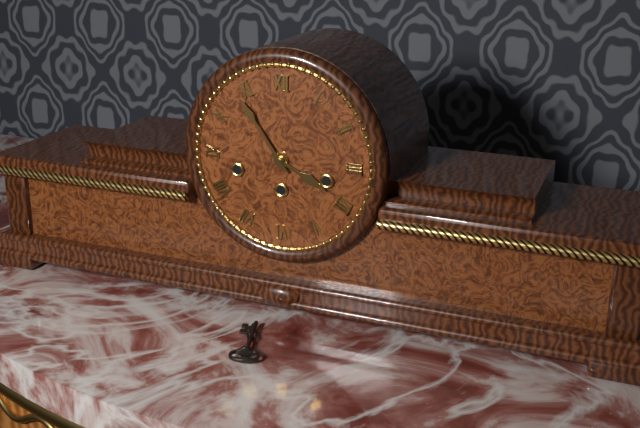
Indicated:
h=3 m=54
